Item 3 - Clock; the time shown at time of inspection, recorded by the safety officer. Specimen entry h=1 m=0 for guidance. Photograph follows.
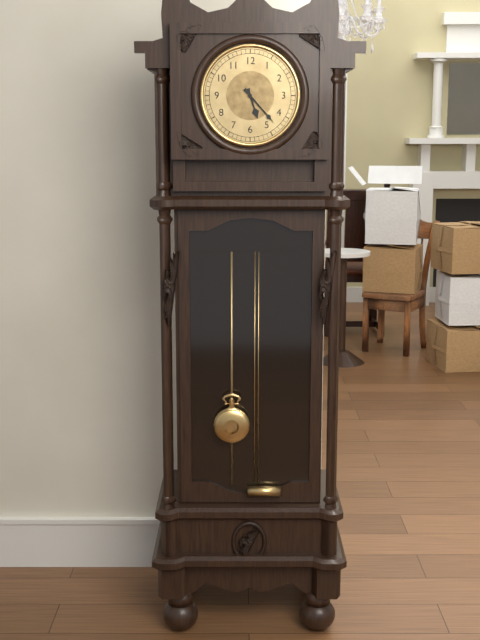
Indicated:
h=5 m=23
